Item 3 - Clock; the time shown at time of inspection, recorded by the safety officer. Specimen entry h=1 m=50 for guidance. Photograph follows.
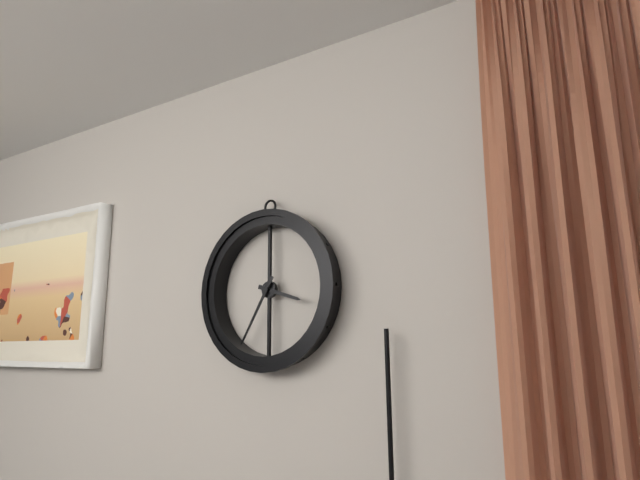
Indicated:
h=3 m=35
